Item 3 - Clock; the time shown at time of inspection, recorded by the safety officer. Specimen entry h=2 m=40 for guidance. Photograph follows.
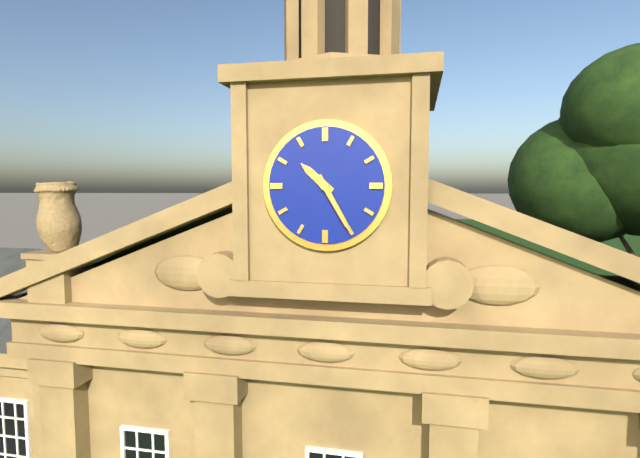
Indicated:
h=10 m=25
